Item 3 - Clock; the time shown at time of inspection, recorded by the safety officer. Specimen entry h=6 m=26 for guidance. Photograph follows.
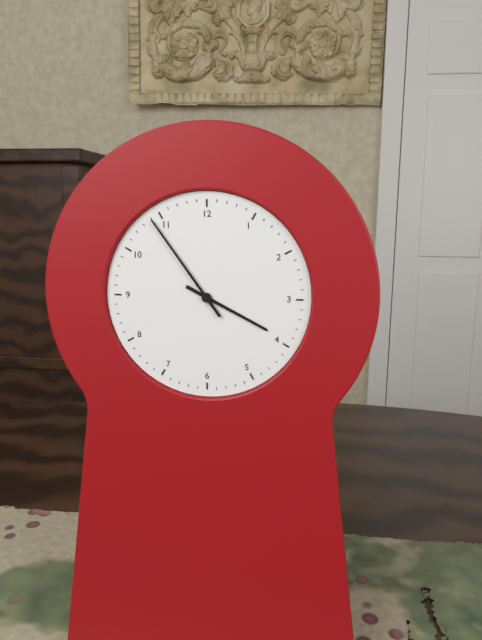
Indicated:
h=3 m=54
